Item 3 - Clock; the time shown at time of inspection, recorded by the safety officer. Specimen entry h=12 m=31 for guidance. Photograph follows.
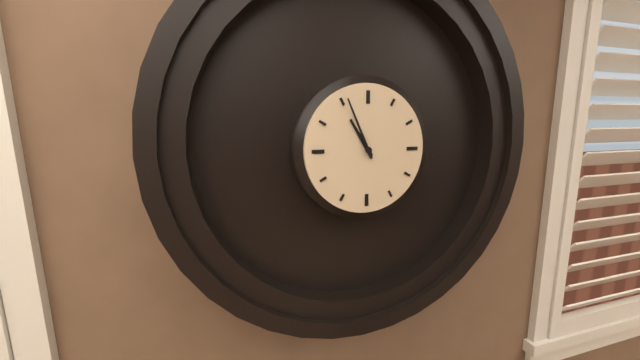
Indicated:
h=10 m=56
